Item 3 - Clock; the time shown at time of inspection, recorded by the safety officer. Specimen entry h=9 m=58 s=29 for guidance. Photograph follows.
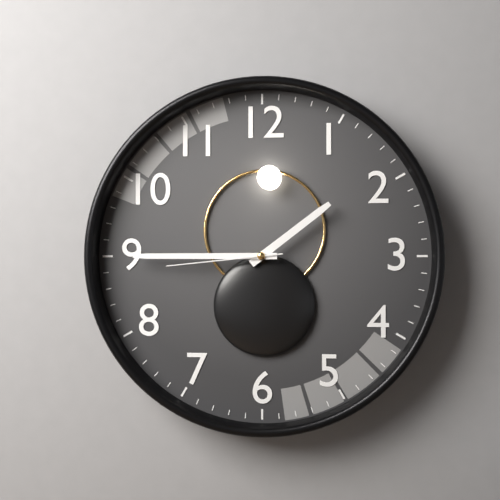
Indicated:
h=1 m=45 s=44
